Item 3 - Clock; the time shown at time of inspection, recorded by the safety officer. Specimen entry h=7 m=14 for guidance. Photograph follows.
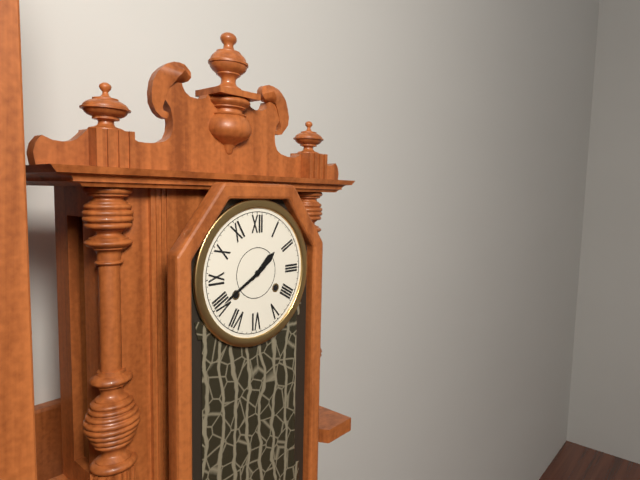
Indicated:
h=1 m=40
